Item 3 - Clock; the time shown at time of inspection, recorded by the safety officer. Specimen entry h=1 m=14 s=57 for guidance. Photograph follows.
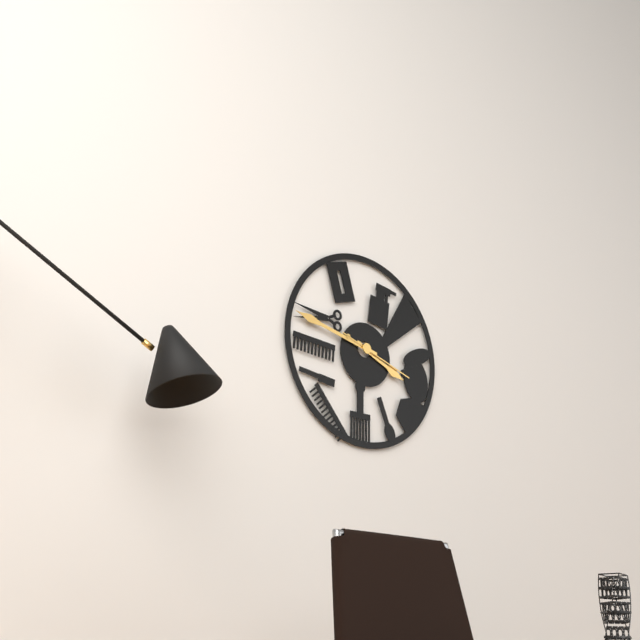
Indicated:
h=3 m=47 s=18
